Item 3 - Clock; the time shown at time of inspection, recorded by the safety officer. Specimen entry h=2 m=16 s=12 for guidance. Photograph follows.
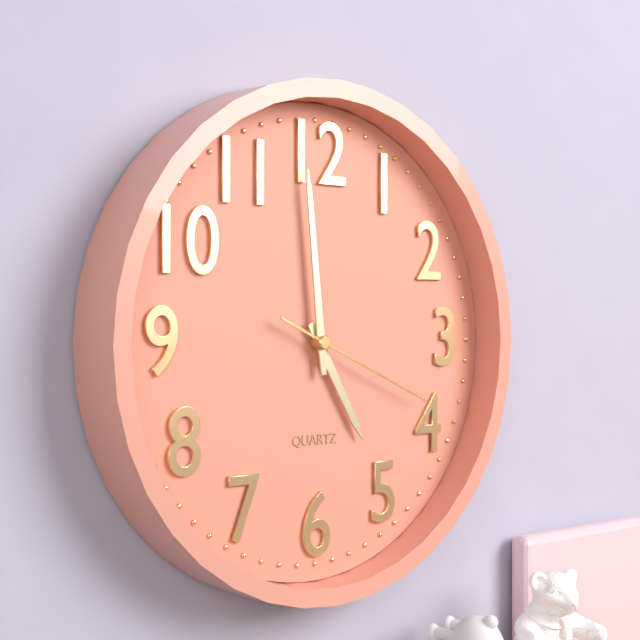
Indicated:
h=4 m=59 s=19
